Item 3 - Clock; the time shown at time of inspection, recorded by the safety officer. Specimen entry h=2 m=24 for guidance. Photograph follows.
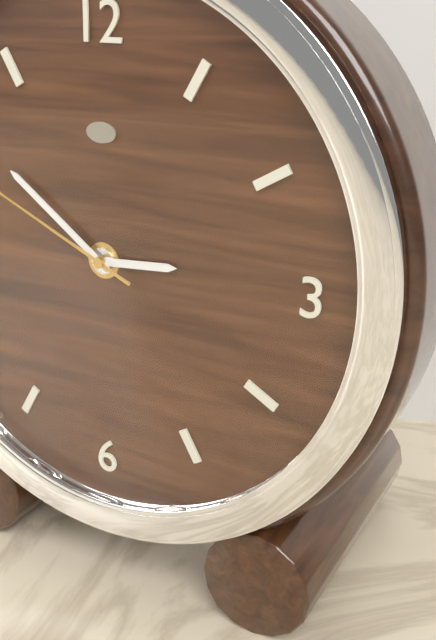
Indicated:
h=2 m=51
